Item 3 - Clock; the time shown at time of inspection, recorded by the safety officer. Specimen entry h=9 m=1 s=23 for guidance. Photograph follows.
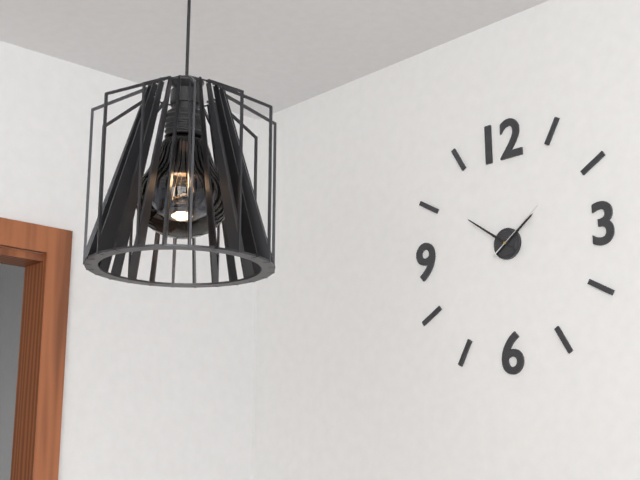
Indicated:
h=1 m=51 s=9
